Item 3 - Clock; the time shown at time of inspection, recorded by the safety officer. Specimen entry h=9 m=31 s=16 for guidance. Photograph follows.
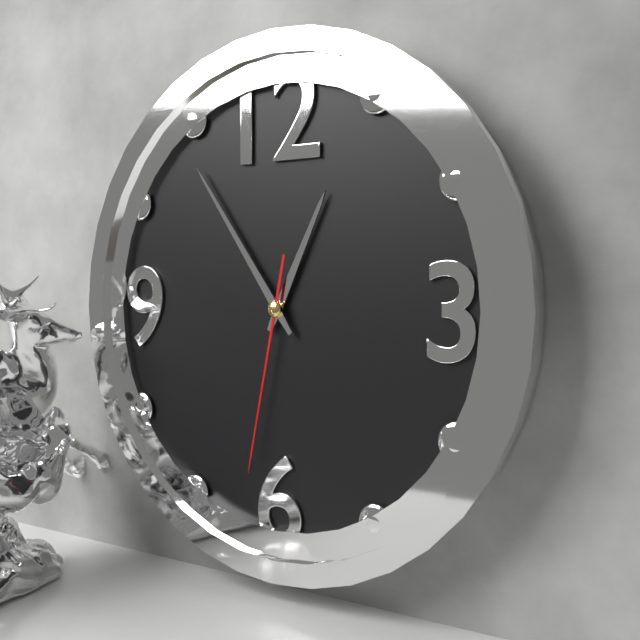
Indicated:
h=12 m=54 s=32
